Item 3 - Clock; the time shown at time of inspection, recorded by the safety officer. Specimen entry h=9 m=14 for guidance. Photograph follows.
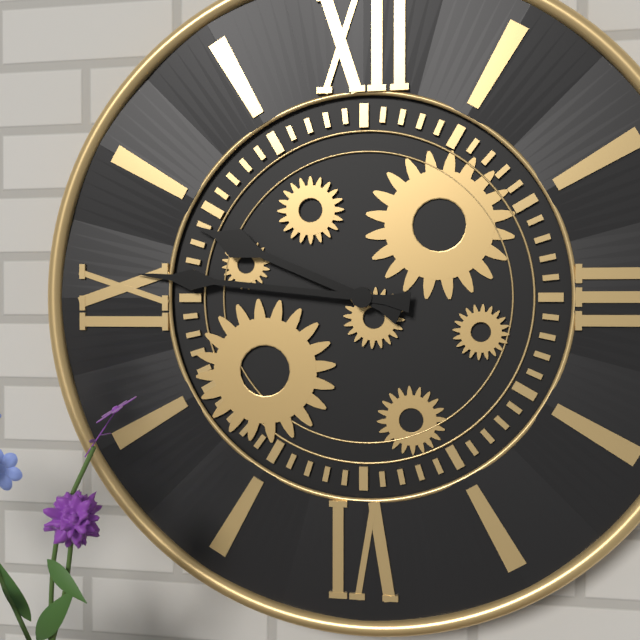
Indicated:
h=9 m=46
